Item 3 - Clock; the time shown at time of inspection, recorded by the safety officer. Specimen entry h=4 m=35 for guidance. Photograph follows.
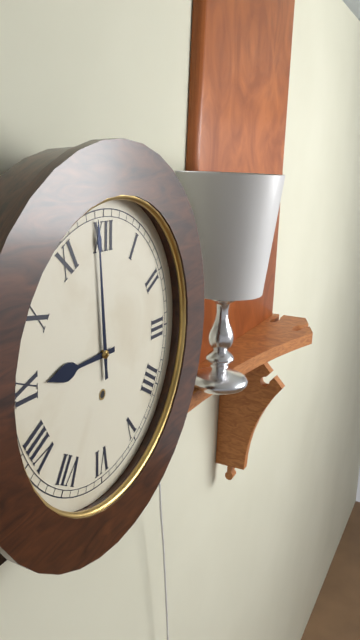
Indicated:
h=8 m=59
